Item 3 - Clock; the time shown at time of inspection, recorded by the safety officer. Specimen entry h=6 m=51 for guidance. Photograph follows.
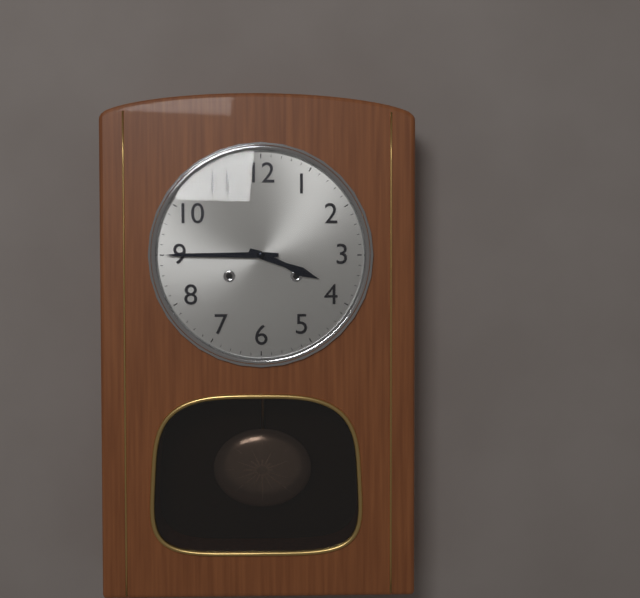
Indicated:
h=3 m=45
